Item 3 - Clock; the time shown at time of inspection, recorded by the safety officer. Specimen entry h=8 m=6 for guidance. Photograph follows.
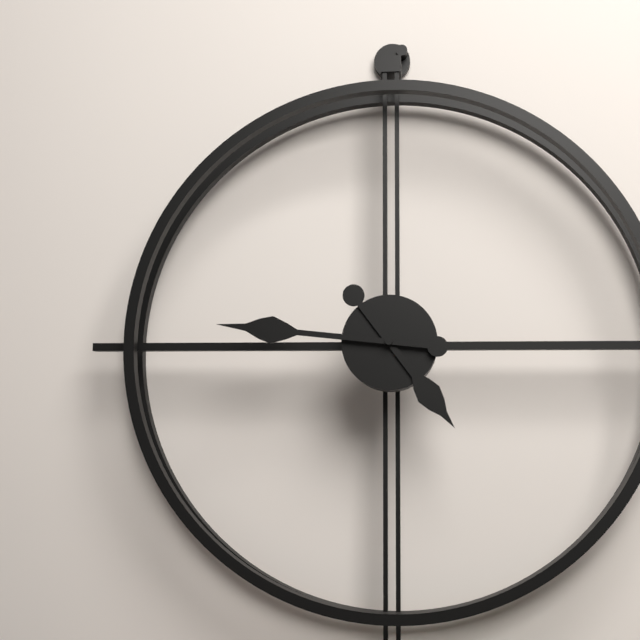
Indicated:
h=4 m=46
